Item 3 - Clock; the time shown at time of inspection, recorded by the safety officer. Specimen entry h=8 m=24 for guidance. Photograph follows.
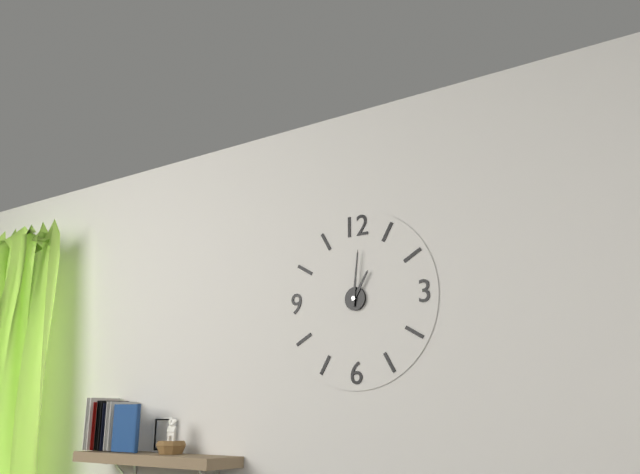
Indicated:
h=1 m=1
